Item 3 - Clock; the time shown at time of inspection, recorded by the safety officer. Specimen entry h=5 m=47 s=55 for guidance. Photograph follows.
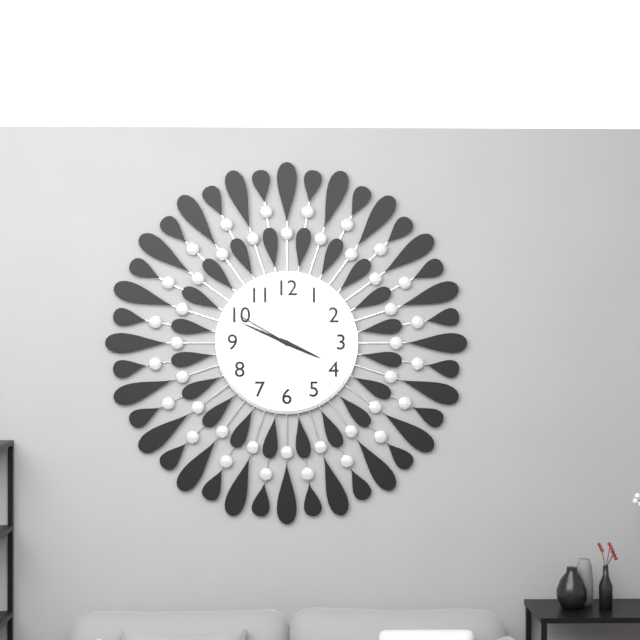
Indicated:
h=3 m=49 s=50
